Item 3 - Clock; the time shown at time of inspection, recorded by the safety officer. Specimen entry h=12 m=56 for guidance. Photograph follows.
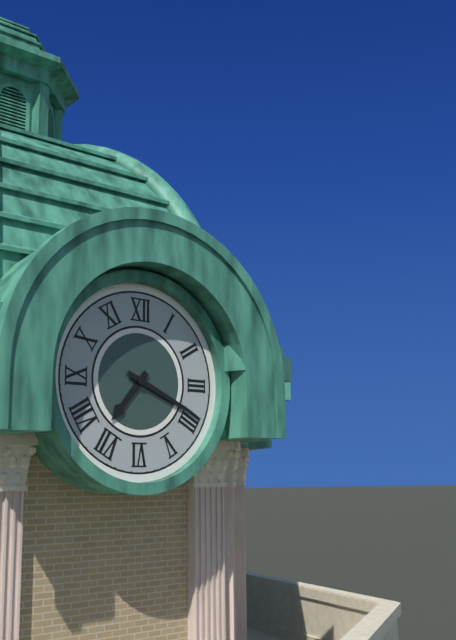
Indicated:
h=7 m=19
